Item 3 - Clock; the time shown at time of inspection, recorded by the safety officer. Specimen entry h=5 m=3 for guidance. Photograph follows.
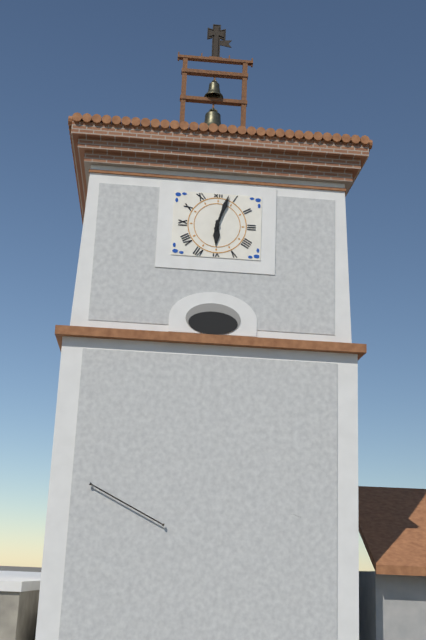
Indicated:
h=6 m=3
